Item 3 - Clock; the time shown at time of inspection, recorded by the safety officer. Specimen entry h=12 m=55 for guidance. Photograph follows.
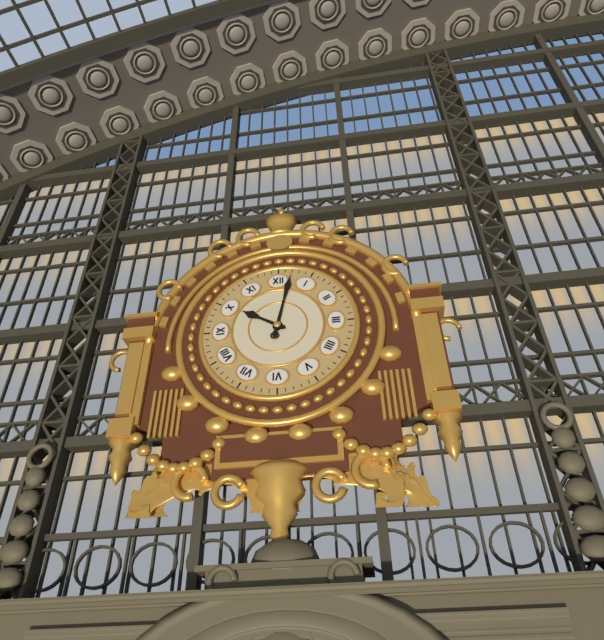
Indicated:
h=10 m=2
